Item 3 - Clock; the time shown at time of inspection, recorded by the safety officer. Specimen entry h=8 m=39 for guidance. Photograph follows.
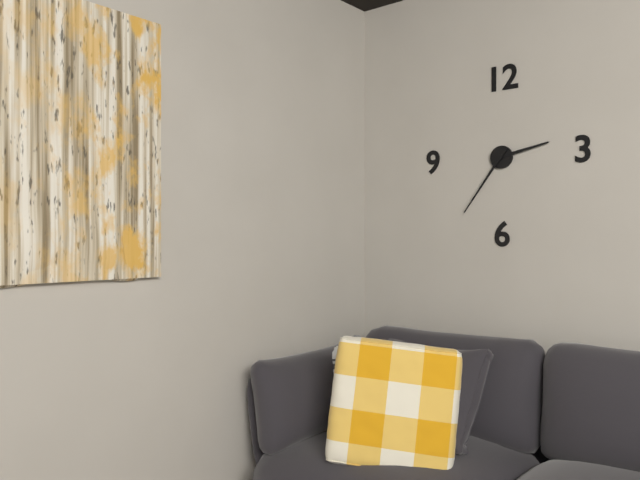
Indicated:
h=2 m=36
